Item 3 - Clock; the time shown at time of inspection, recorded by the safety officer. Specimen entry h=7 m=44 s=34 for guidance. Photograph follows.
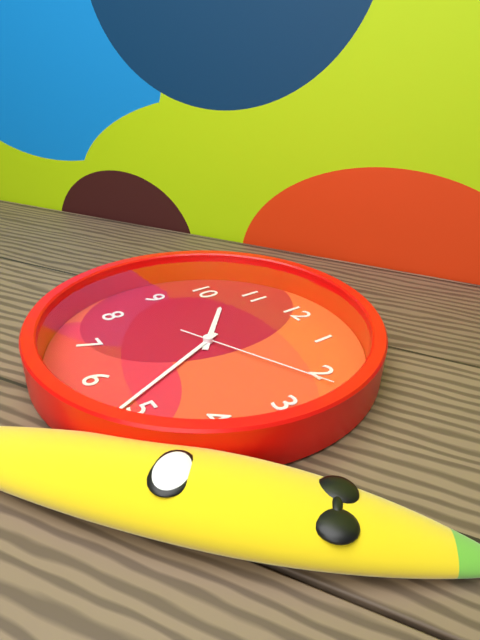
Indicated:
h=10 m=26 s=11
